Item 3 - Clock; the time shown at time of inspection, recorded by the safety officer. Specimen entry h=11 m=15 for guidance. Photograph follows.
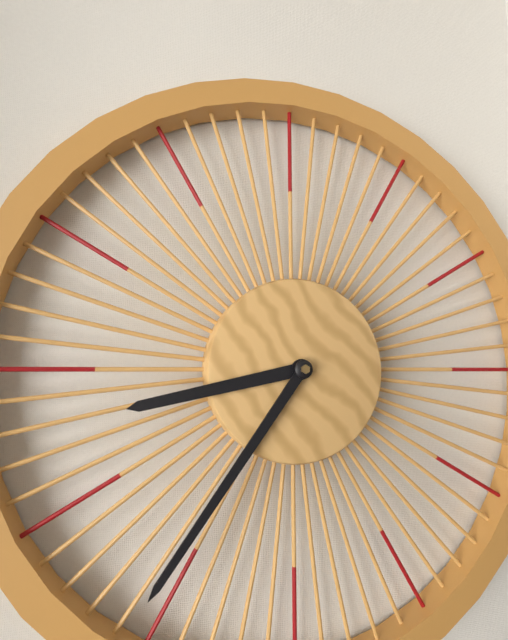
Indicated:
h=8 m=36
